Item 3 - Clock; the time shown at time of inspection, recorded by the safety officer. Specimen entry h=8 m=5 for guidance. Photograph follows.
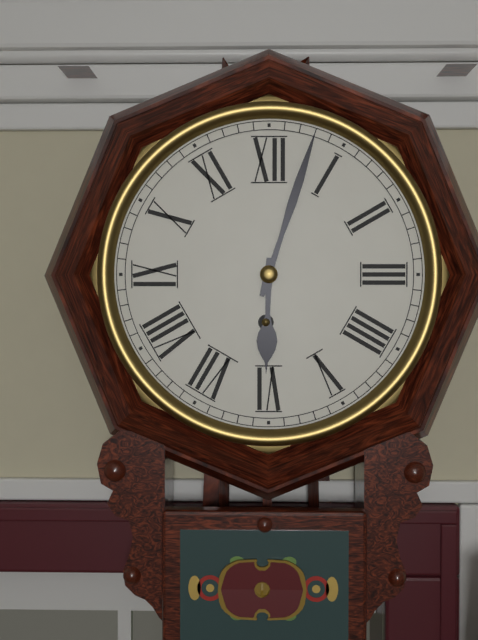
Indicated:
h=6 m=3
